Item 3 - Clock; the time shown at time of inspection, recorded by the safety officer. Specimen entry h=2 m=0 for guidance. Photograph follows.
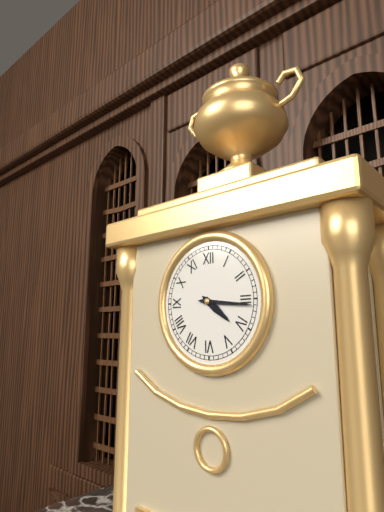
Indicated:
h=4 m=16
